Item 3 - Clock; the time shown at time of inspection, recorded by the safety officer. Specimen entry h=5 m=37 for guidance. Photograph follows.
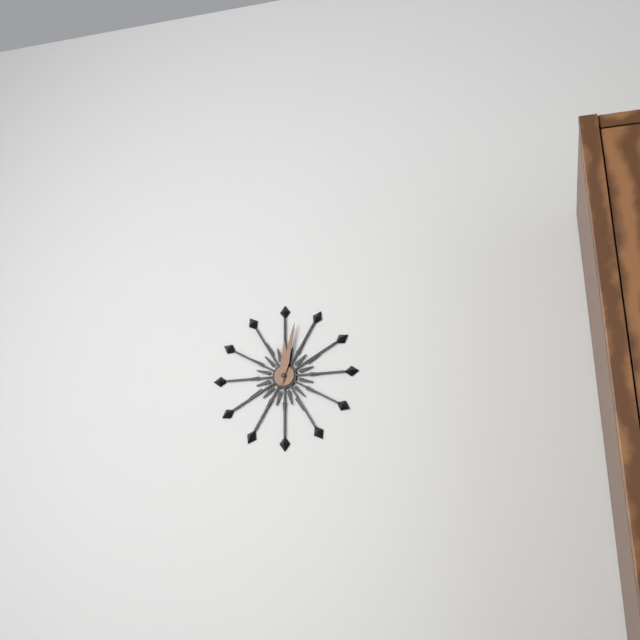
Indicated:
h=12 m=2
